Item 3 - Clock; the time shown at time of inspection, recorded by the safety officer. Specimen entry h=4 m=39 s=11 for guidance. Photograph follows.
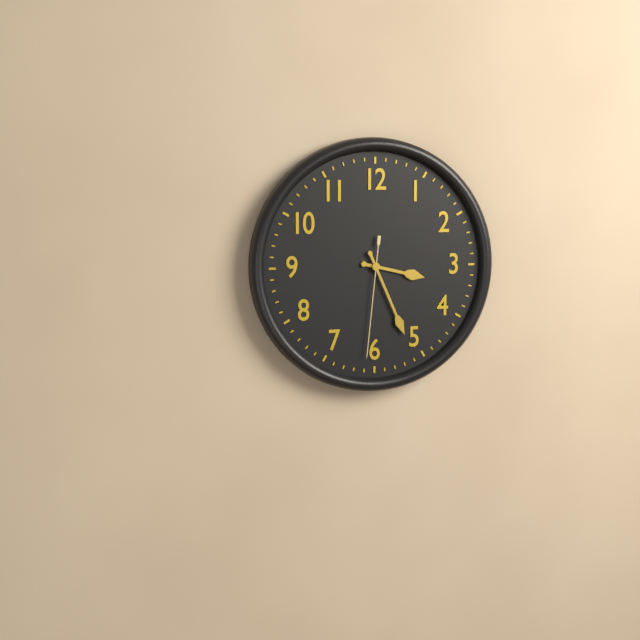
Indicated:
h=3 m=26 s=31
